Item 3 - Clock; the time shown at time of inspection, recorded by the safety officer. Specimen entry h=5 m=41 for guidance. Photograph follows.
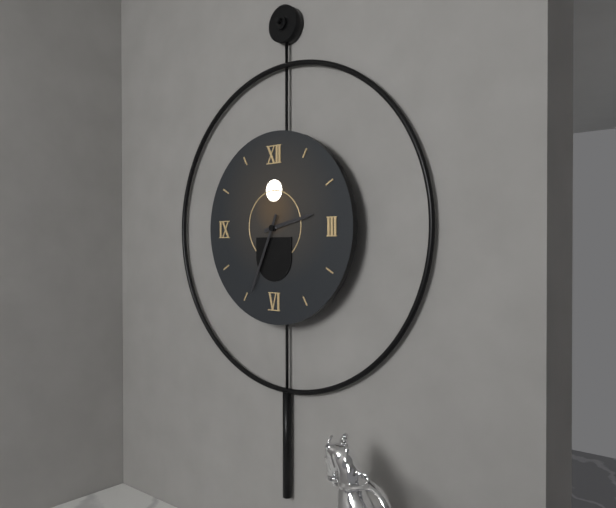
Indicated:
h=2 m=34
